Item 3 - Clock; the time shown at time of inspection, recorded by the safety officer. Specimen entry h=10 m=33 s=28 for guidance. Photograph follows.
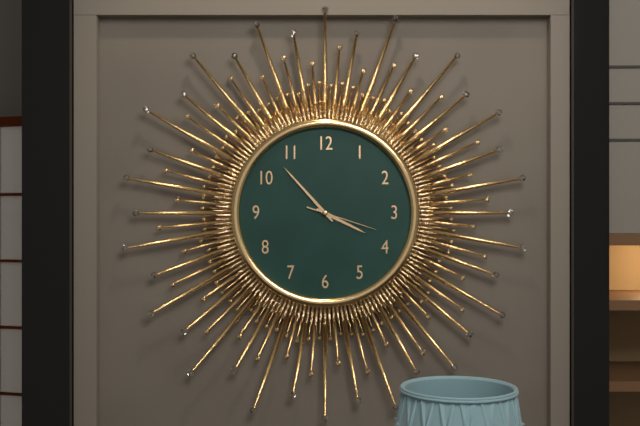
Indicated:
h=3 m=53 s=18
